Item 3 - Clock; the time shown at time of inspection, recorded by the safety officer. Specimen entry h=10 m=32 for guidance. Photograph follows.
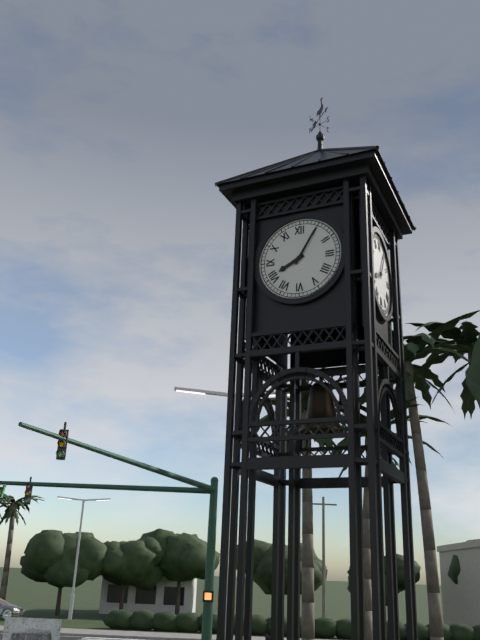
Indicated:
h=8 m=5
